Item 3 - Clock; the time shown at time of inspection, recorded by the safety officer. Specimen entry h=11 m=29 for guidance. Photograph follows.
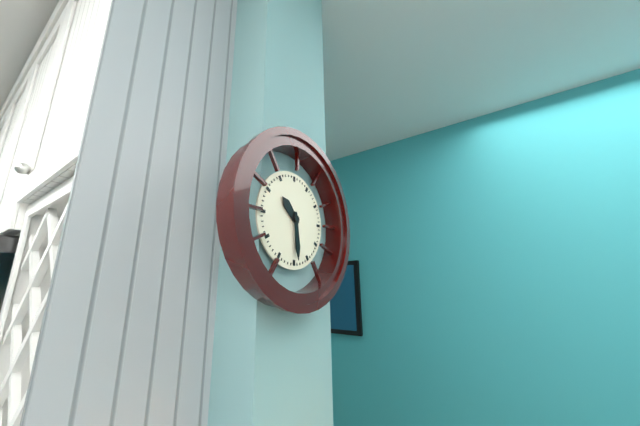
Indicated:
h=10 m=29
